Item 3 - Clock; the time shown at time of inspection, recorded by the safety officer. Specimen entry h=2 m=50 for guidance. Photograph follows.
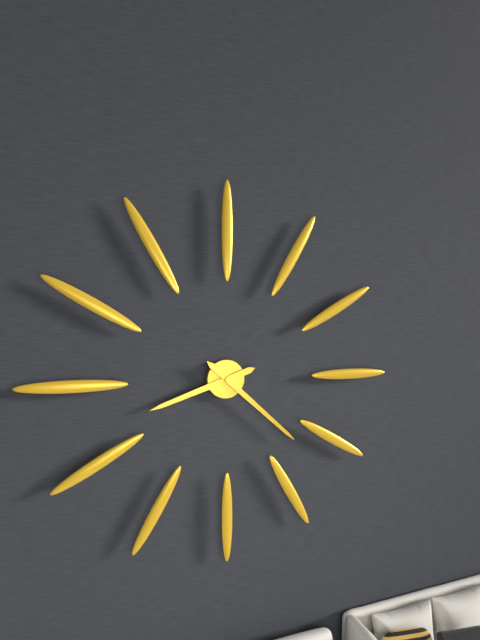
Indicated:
h=8 m=22
